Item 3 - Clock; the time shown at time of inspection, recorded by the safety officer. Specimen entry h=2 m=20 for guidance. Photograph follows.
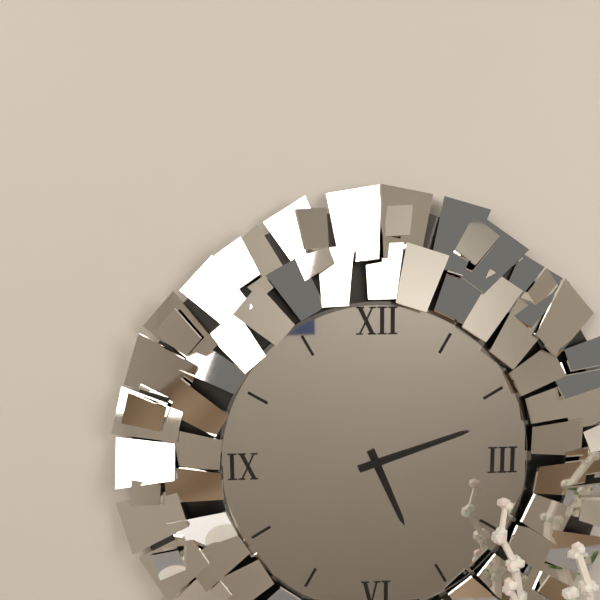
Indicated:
h=5 m=12
